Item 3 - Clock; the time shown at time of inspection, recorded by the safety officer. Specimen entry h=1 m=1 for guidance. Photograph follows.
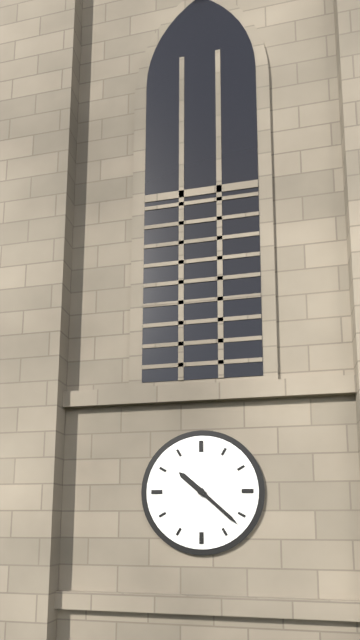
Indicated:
h=10 m=22
